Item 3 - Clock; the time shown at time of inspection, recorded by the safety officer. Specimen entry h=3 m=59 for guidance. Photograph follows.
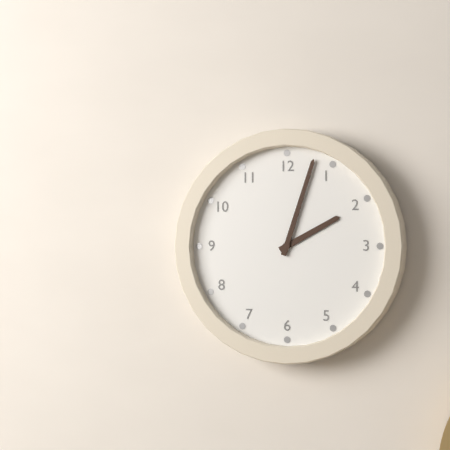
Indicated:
h=2 m=3
